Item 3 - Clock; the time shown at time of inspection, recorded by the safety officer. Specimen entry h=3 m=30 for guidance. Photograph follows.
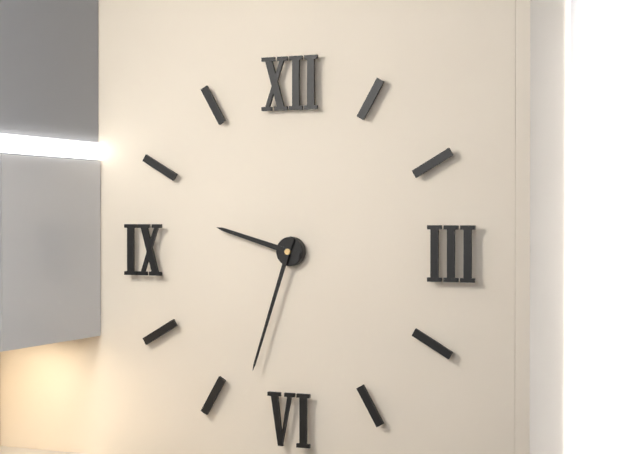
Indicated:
h=9 m=33
